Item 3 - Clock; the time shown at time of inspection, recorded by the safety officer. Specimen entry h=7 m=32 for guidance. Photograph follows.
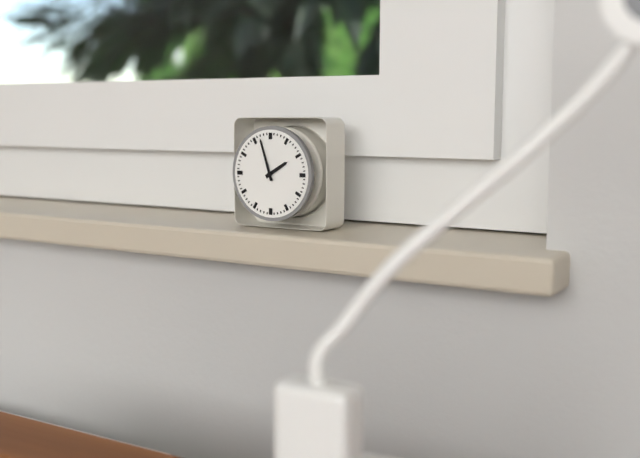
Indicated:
h=1 m=57
